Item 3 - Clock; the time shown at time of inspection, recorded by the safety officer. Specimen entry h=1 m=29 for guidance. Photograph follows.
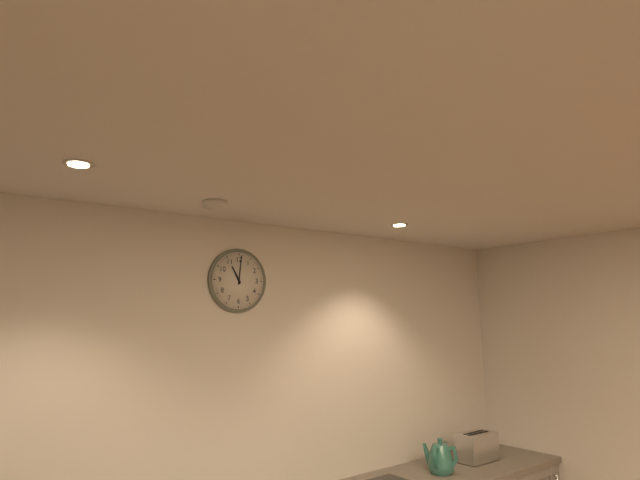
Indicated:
h=11 m=1
